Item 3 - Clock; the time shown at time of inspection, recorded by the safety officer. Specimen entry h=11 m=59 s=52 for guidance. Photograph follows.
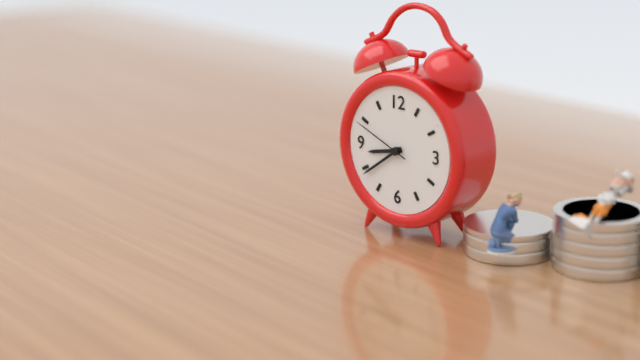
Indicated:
h=8 m=39 s=49
